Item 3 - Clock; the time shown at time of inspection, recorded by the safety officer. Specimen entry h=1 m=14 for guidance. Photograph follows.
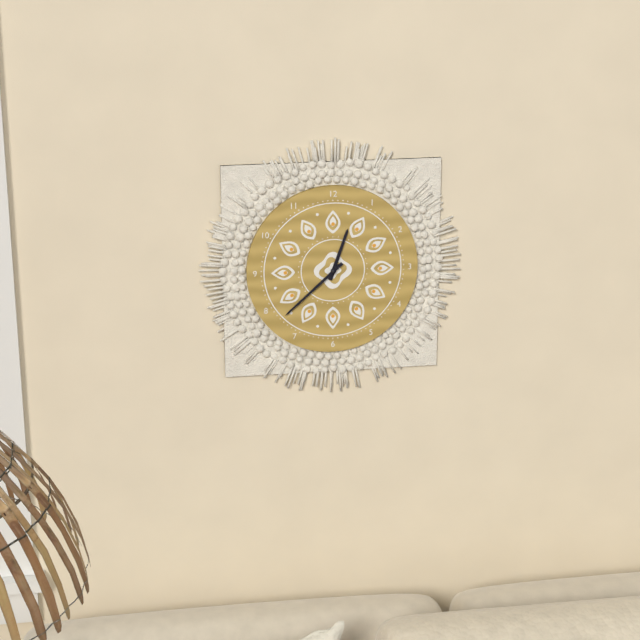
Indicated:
h=12 m=38
